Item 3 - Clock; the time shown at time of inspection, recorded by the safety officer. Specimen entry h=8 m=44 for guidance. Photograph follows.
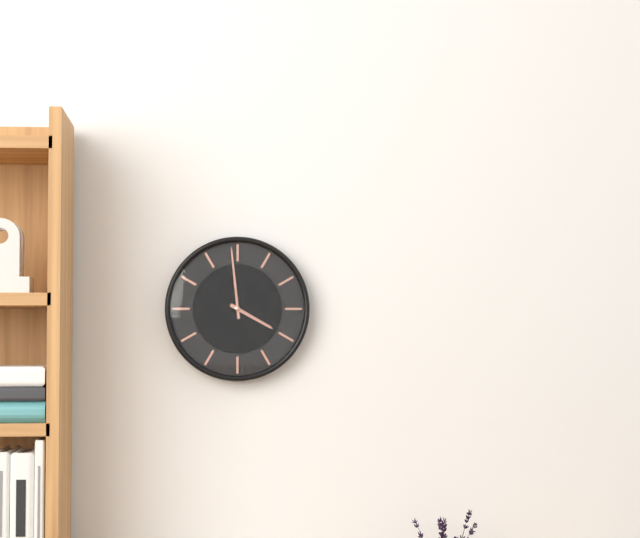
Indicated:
h=3 m=59
